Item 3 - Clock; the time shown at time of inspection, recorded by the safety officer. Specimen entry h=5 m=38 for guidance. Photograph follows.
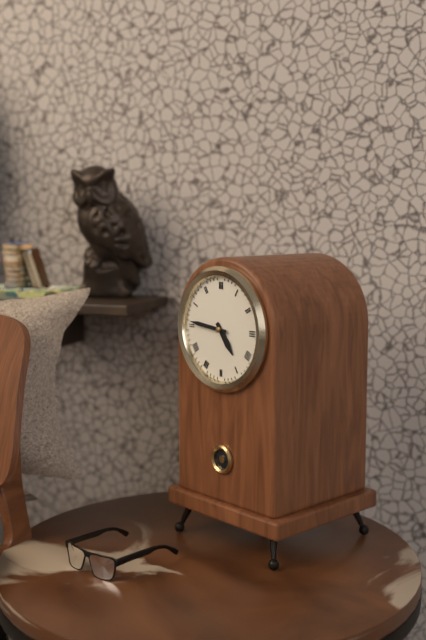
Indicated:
h=4 m=46
